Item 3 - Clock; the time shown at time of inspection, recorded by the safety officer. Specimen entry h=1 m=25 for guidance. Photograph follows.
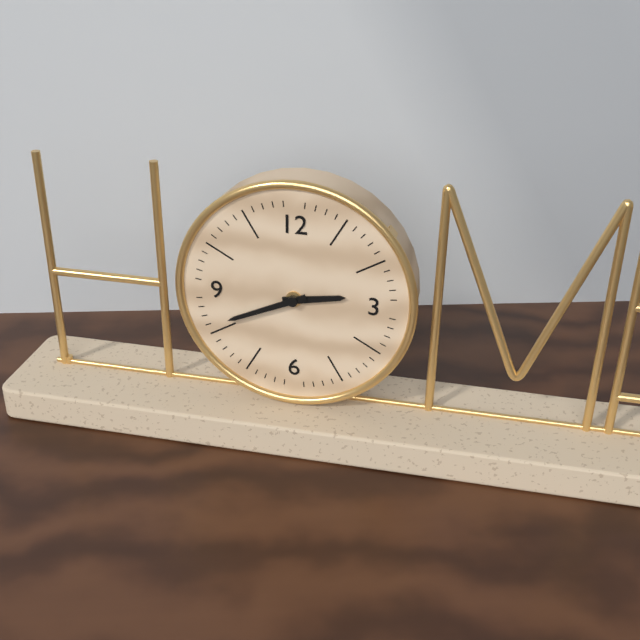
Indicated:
h=2 m=41
